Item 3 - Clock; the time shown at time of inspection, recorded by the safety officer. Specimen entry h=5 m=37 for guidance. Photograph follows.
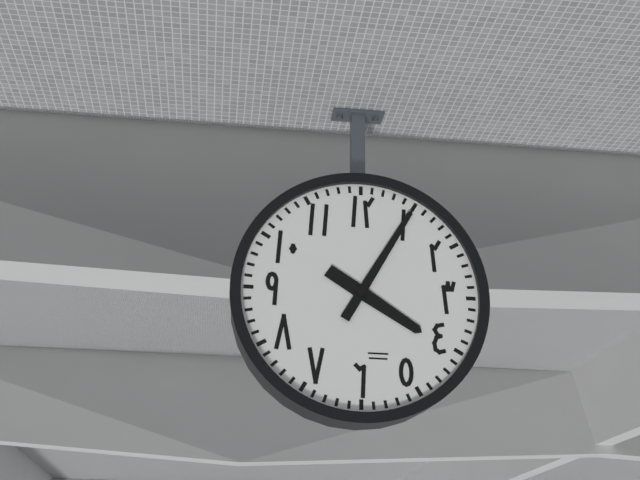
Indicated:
h=4 m=5
